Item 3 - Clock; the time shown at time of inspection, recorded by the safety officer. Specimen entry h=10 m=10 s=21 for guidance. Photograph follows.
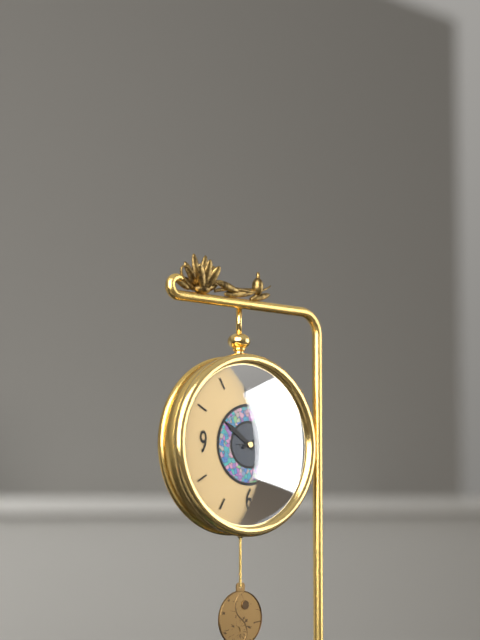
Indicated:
h=10 m=11 s=15
